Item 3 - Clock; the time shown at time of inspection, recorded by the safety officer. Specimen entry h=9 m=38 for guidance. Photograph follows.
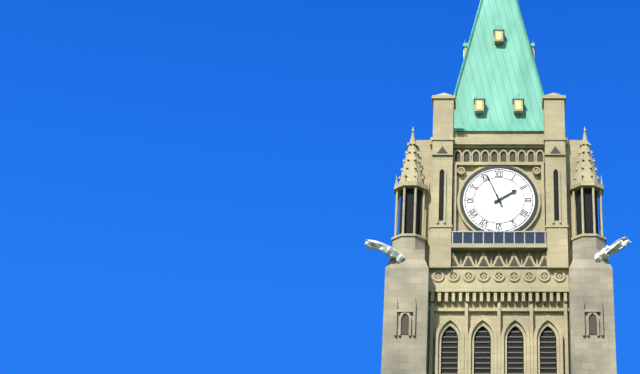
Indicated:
h=1 m=56
